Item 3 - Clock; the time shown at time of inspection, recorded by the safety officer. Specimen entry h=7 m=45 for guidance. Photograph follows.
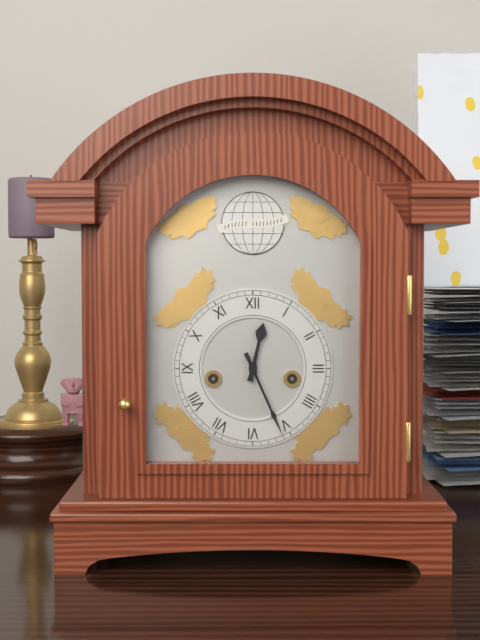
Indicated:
h=12 m=26
